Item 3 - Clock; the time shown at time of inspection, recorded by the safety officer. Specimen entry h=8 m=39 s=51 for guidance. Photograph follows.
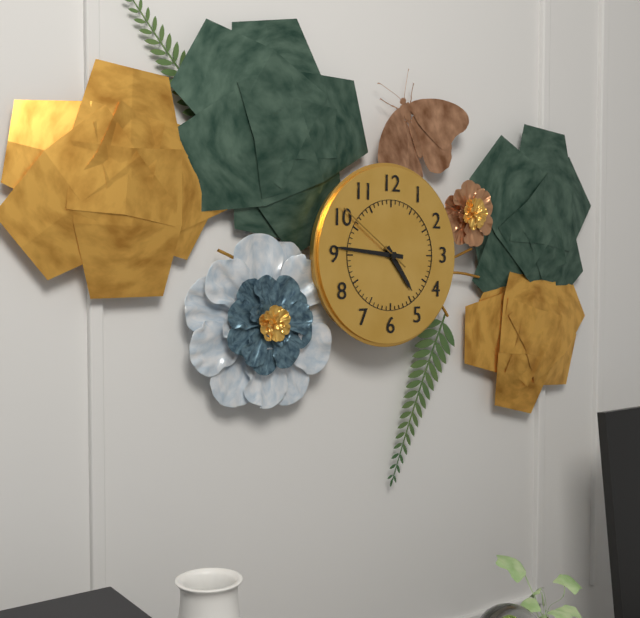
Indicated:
h=4 m=46 s=51
